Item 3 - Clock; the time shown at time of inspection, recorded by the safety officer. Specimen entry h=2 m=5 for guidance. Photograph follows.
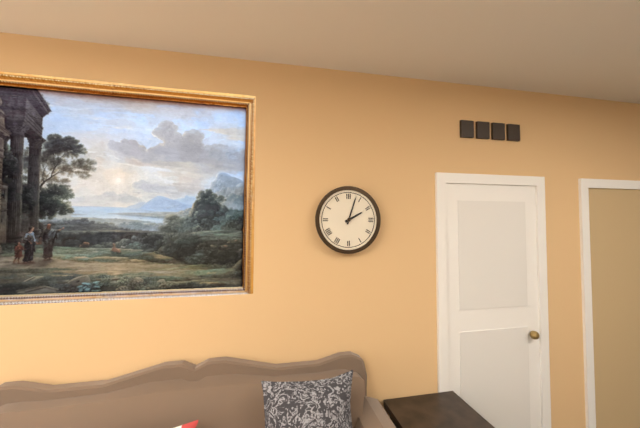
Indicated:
h=2 m=3
